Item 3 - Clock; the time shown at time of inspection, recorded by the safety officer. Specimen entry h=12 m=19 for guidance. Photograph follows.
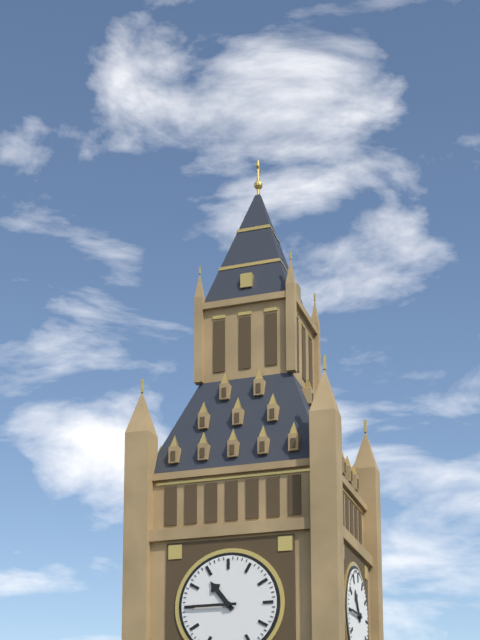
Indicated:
h=10 m=45
